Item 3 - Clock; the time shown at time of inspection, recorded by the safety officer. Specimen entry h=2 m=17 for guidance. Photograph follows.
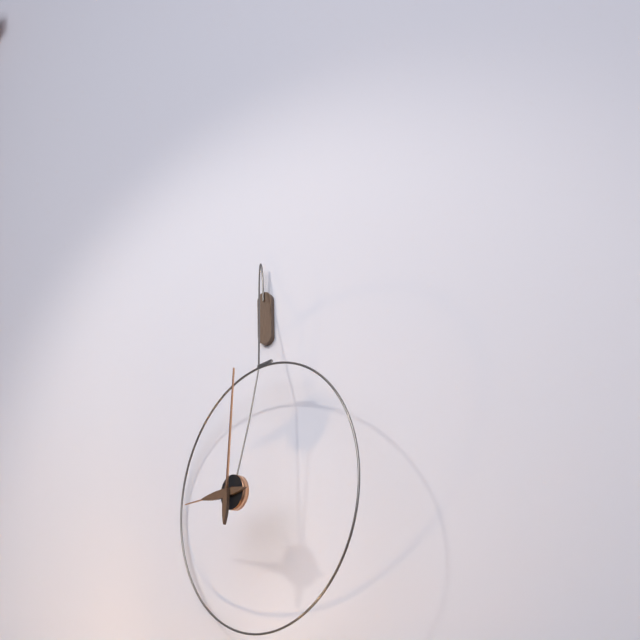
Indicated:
h=9 m=1
